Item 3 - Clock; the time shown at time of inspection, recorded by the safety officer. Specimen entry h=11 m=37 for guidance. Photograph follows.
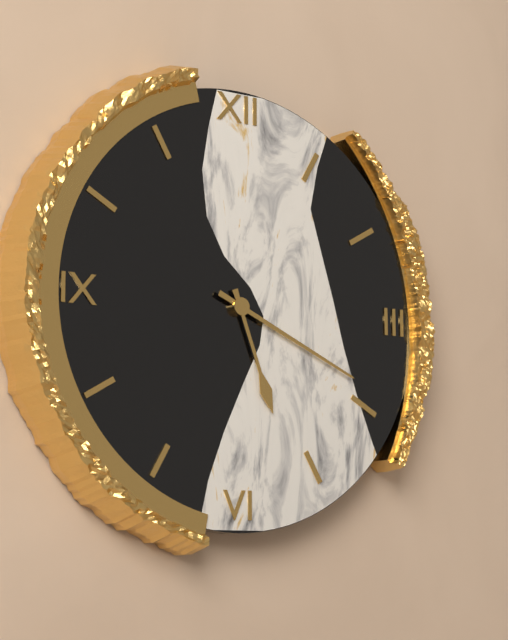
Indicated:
h=5 m=19
